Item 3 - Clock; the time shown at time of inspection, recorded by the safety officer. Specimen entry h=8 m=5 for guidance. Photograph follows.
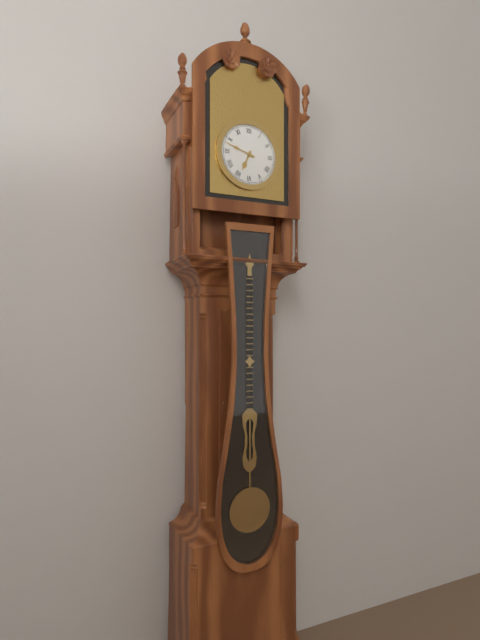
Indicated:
h=6 m=48
